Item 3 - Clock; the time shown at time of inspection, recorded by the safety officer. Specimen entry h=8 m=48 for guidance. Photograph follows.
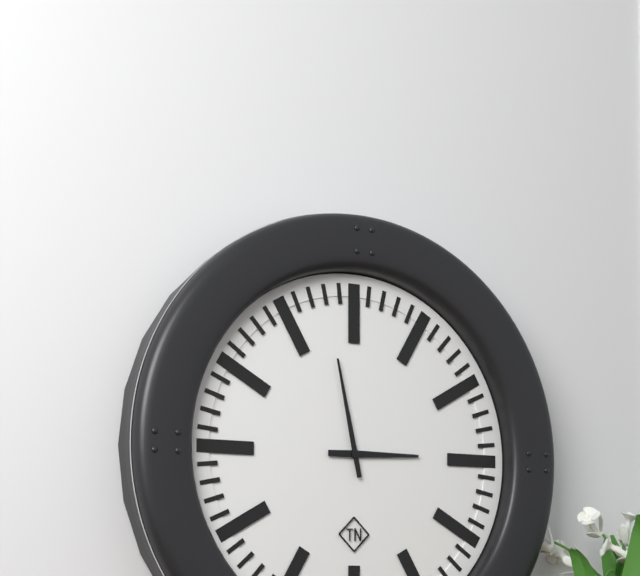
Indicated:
h=2 m=58
